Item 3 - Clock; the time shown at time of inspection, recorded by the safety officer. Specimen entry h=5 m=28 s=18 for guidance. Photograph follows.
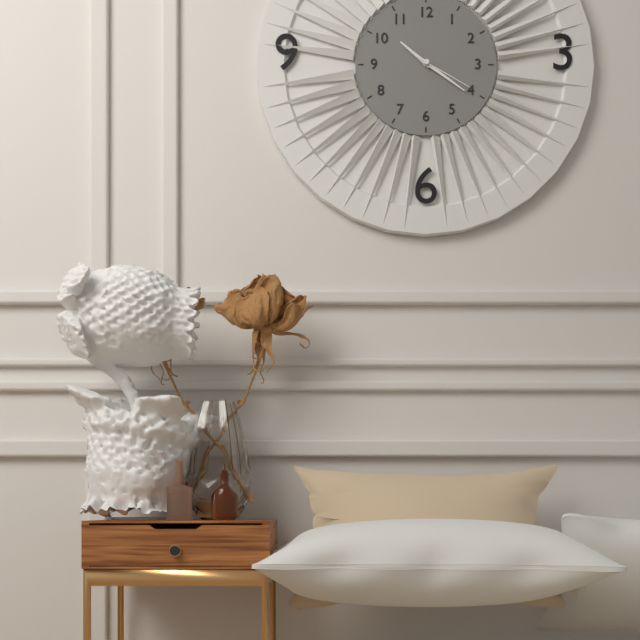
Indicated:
h=10 m=21 s=20
